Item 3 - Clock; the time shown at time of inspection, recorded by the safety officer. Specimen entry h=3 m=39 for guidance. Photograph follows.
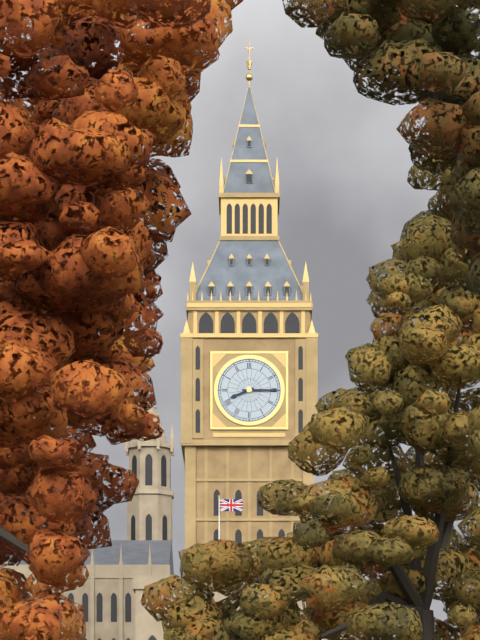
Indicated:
h=8 m=15
